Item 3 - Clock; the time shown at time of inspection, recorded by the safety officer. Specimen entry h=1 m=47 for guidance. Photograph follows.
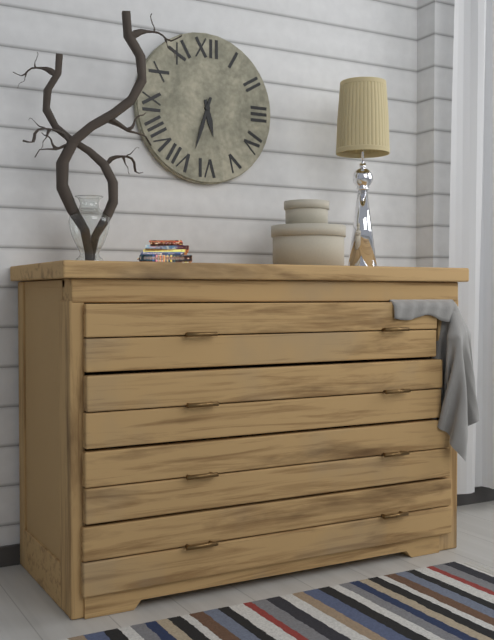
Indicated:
h=5 m=33
